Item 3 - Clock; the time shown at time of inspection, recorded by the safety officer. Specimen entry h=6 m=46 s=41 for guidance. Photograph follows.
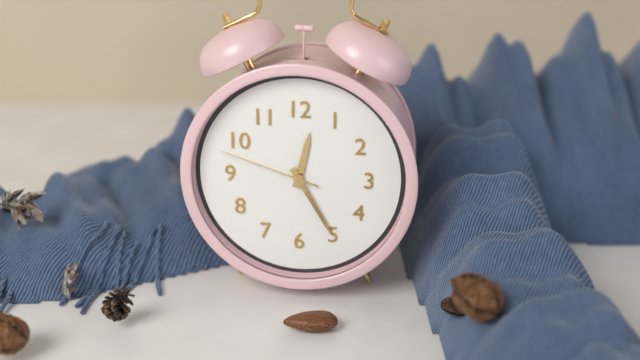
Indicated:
h=12 m=25 s=48
